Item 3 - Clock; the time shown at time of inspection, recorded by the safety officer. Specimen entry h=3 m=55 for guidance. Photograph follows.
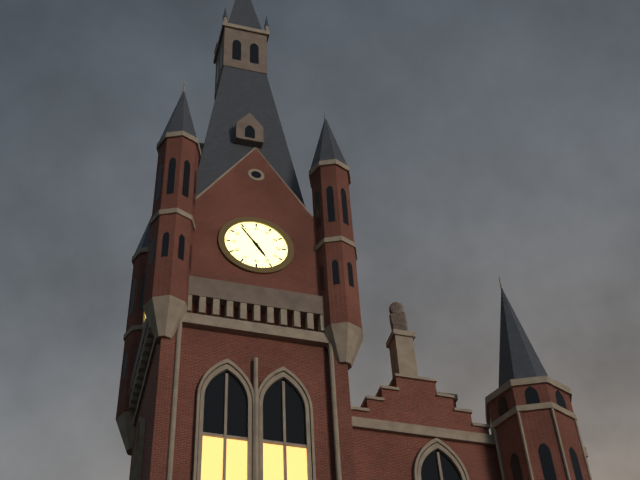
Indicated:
h=4 m=54
